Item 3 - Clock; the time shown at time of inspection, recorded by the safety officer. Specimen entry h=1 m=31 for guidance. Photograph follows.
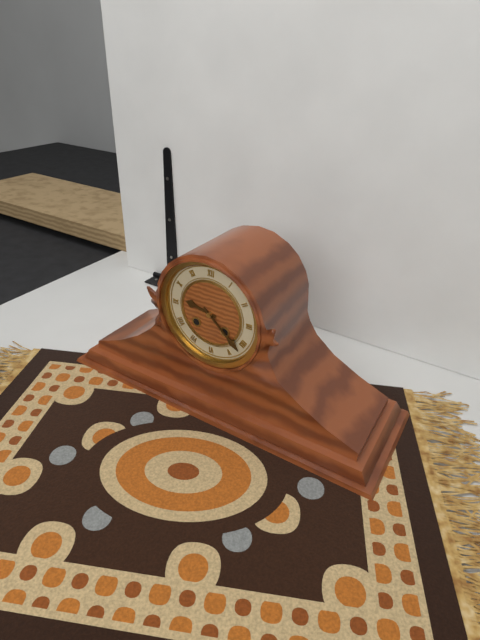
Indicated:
h=9 m=22
